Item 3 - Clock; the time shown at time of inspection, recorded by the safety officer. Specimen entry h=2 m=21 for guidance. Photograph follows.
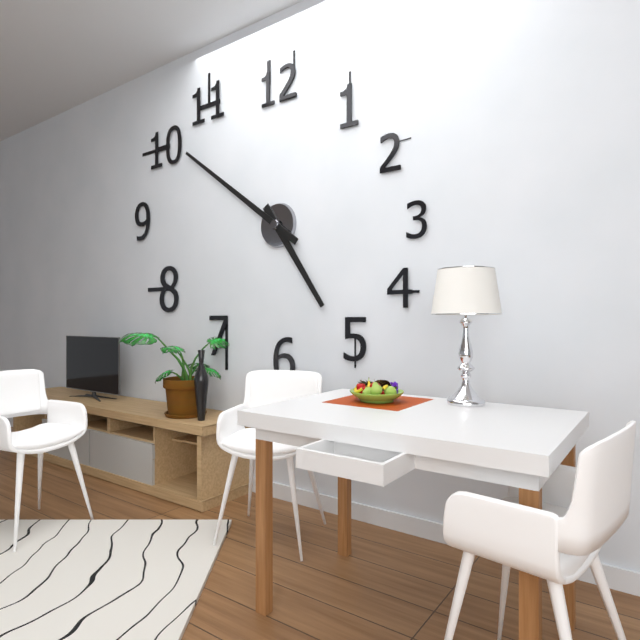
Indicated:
h=4 m=51
